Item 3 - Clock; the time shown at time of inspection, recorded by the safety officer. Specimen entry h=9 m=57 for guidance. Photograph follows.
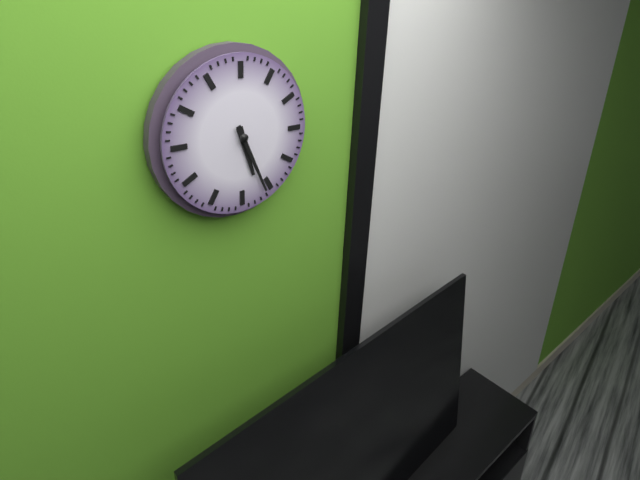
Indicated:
h=5 m=26
